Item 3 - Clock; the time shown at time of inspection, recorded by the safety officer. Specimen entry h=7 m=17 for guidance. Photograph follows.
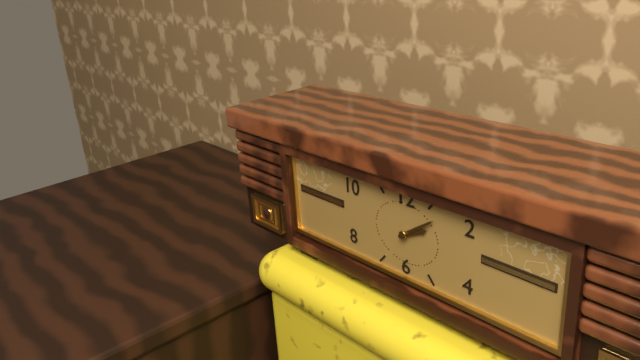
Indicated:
h=2 m=9
